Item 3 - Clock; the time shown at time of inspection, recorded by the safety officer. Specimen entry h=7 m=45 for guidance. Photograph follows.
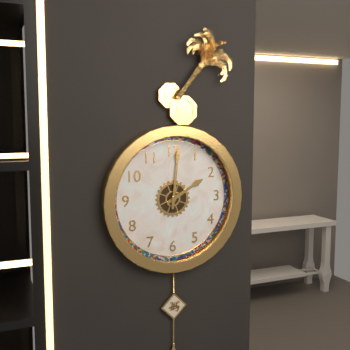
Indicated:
h=2 m=1
